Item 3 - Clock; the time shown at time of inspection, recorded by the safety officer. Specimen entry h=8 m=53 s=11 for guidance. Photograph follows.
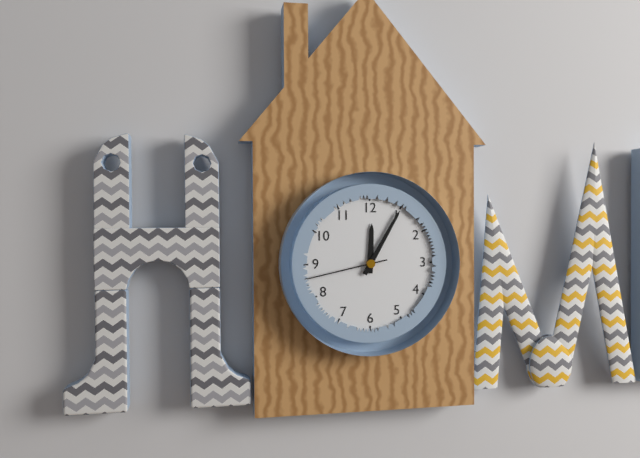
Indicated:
h=12 m=5 s=43
